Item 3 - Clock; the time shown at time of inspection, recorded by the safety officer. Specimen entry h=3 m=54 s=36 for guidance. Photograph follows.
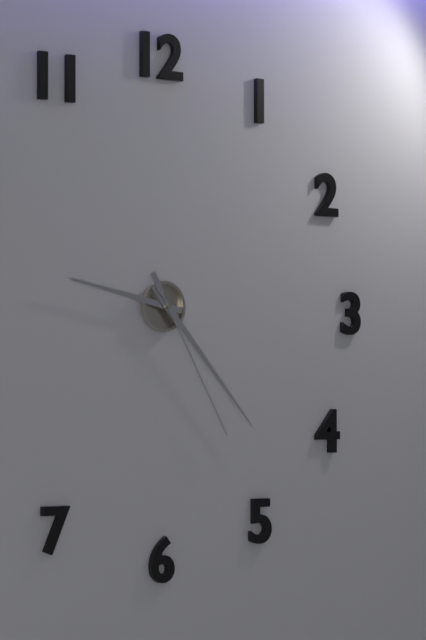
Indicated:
h=9 m=23 s=25
